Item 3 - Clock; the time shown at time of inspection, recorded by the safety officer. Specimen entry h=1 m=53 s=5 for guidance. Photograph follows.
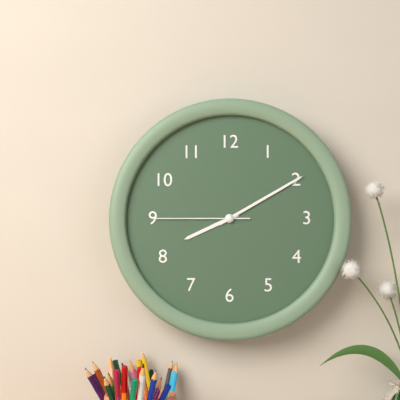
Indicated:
h=8 m=10 s=45
